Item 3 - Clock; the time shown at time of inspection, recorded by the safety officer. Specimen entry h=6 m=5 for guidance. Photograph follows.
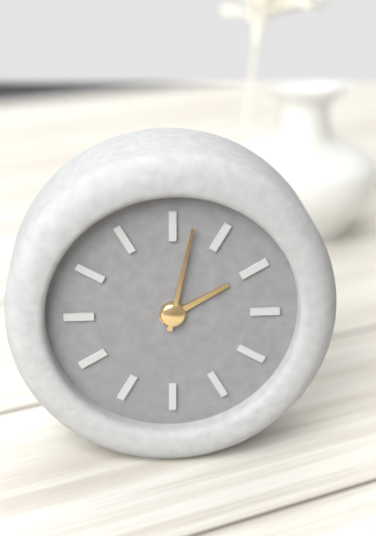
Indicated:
h=2 m=2
